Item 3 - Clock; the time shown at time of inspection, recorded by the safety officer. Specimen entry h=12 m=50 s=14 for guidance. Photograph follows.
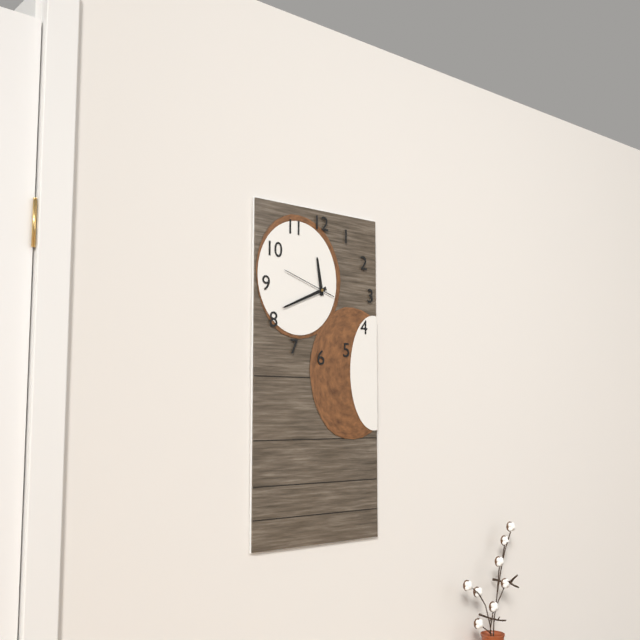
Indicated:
h=11 m=41 s=48
